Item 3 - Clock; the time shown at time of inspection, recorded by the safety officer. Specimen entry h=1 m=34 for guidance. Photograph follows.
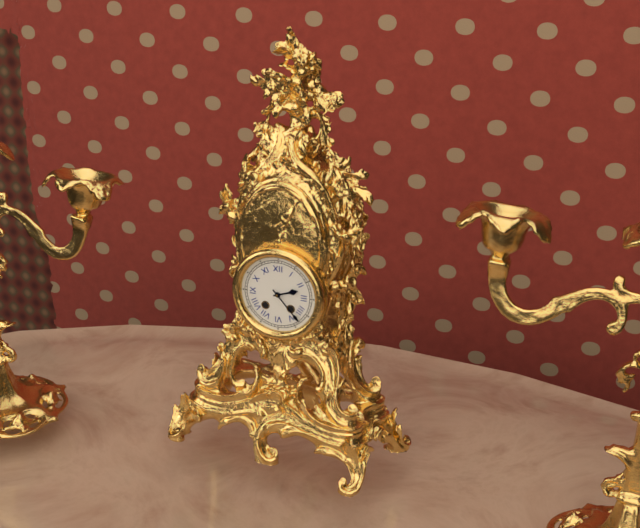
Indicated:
h=2 m=23
